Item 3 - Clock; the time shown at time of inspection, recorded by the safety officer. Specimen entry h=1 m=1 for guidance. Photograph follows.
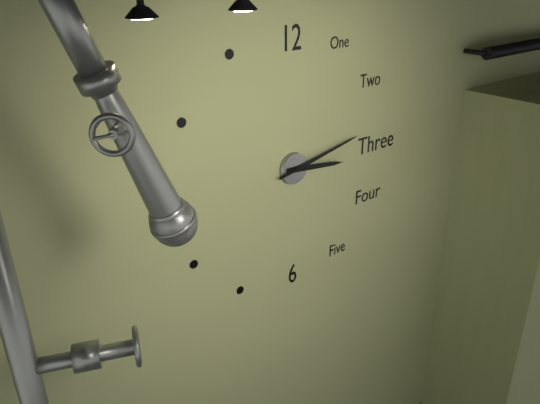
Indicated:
h=3 m=13
